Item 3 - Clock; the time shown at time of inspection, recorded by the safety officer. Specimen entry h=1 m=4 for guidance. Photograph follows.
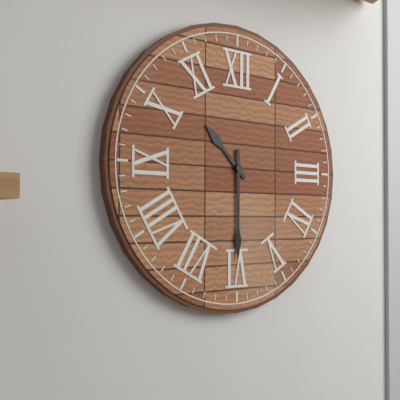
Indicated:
h=10 m=30
